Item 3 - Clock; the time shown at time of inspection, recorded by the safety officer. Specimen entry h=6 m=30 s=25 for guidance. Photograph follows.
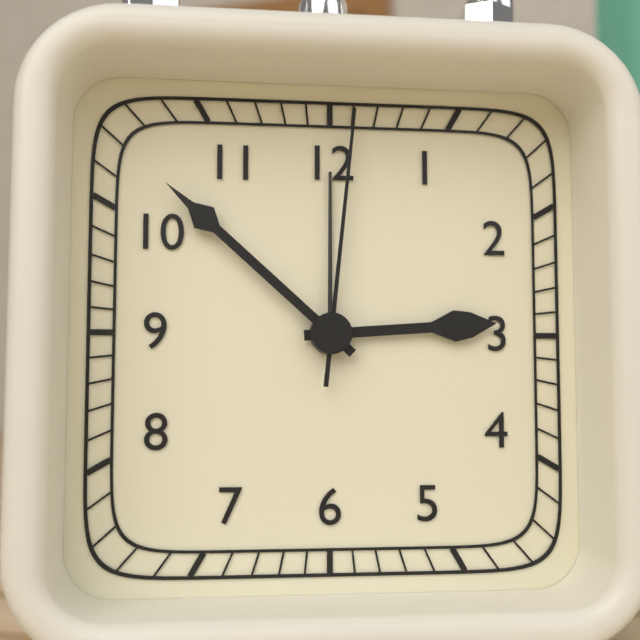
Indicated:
h=2 m=52 s=1
